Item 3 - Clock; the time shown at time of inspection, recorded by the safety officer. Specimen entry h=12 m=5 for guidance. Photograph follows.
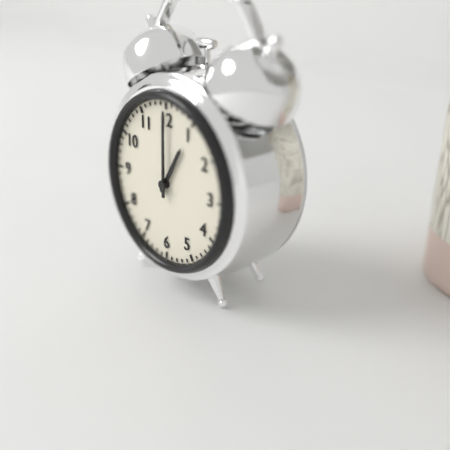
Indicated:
h=1 m=0
